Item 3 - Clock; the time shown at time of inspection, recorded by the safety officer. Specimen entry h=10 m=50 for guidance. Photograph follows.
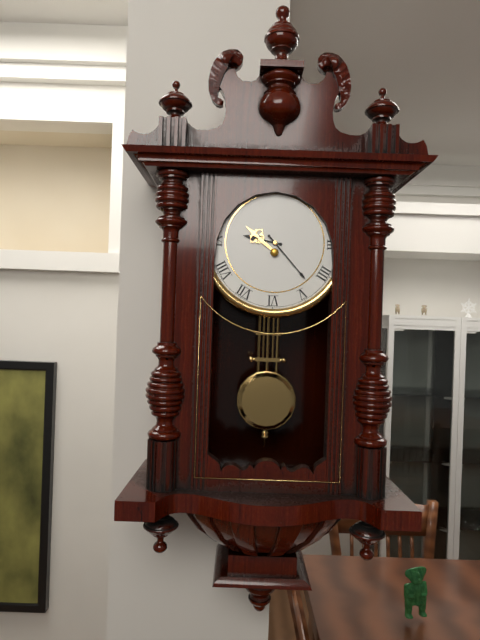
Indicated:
h=9 m=23
